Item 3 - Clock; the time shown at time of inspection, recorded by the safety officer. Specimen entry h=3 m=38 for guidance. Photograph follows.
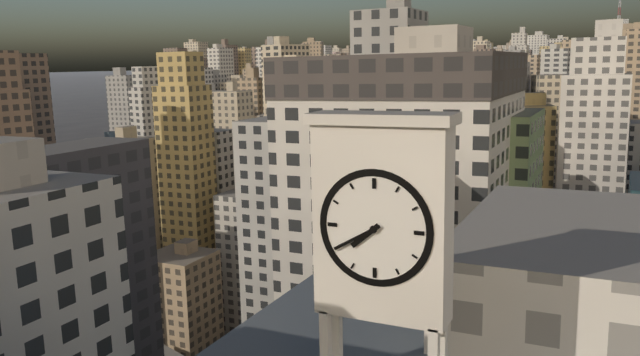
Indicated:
h=7 m=40
